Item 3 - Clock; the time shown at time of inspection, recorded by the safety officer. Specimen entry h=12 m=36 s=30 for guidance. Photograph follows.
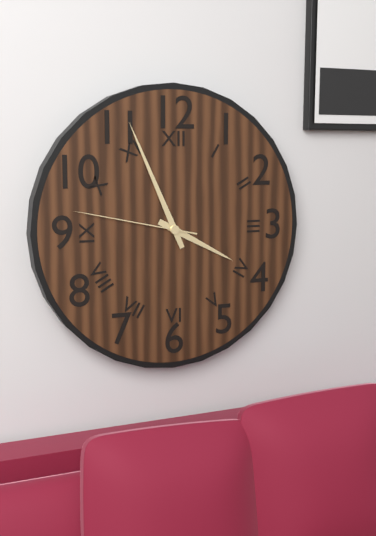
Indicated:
h=3 m=56 s=47
